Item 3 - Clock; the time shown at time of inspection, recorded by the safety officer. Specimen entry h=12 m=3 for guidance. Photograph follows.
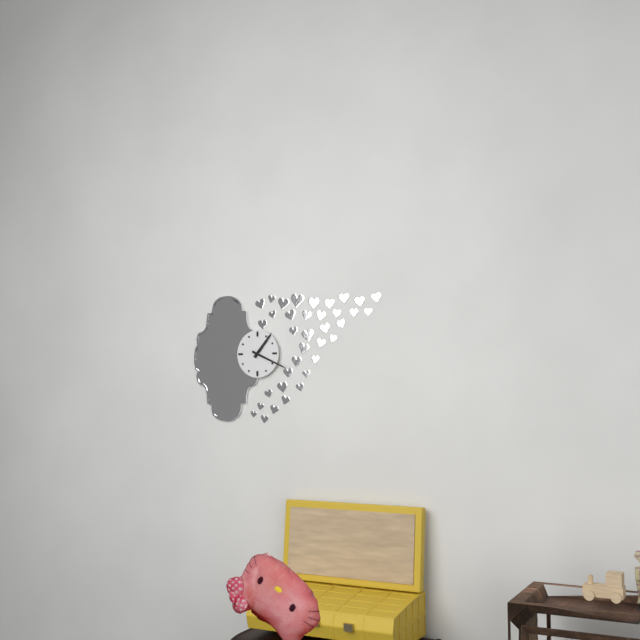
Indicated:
h=1 m=19
